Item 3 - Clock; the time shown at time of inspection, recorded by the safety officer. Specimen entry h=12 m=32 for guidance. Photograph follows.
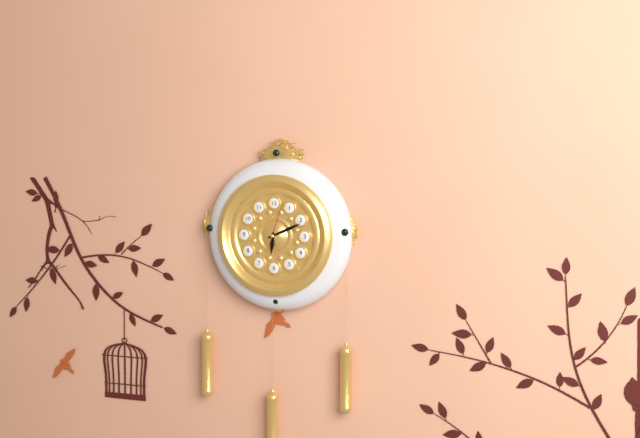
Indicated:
h=6 m=11
